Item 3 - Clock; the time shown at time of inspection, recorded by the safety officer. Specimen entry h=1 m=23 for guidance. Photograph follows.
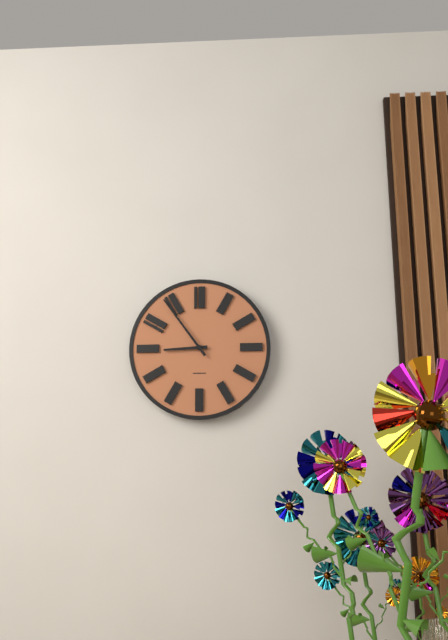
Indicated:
h=8 m=54
